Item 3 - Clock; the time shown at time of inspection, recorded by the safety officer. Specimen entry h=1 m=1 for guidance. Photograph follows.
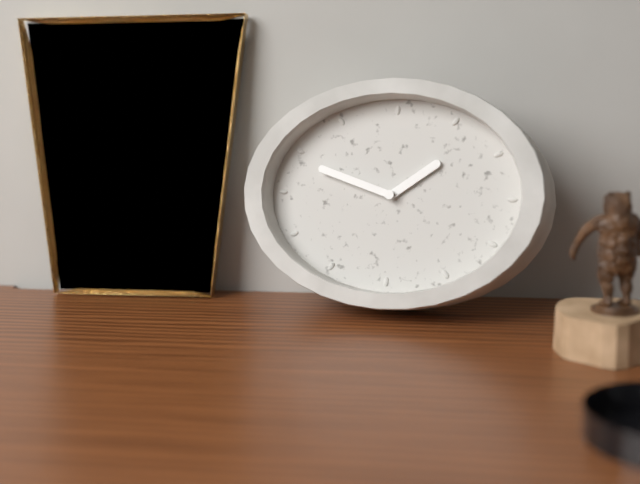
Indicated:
h=1 m=48
